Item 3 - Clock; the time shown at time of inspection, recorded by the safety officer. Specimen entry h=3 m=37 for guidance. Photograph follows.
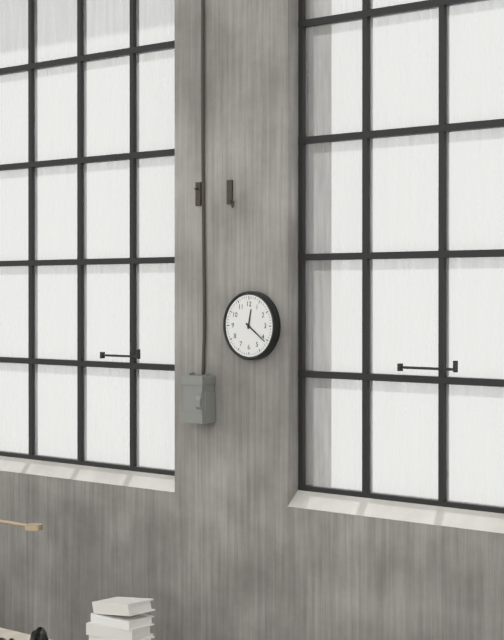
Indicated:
h=12 m=21
